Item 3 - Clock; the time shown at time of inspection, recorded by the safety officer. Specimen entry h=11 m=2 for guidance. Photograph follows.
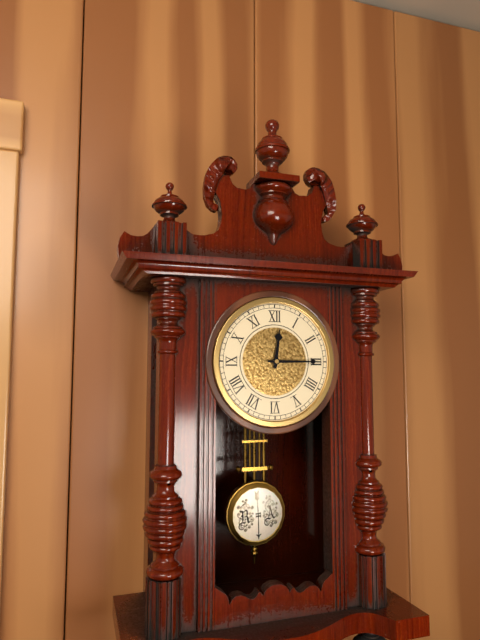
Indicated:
h=12 m=15
